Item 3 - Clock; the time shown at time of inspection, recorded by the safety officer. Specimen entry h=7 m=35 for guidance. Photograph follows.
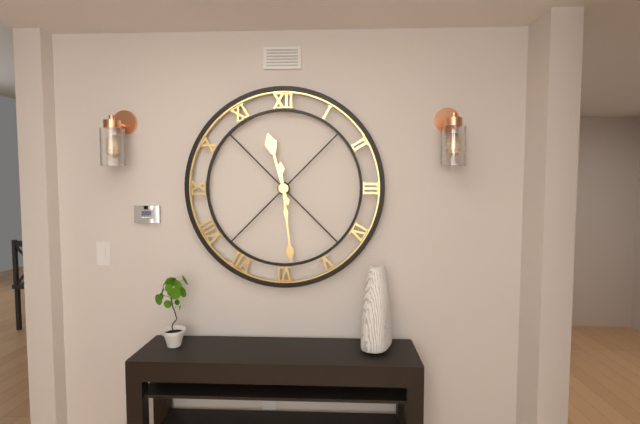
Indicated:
h=11 m=29
